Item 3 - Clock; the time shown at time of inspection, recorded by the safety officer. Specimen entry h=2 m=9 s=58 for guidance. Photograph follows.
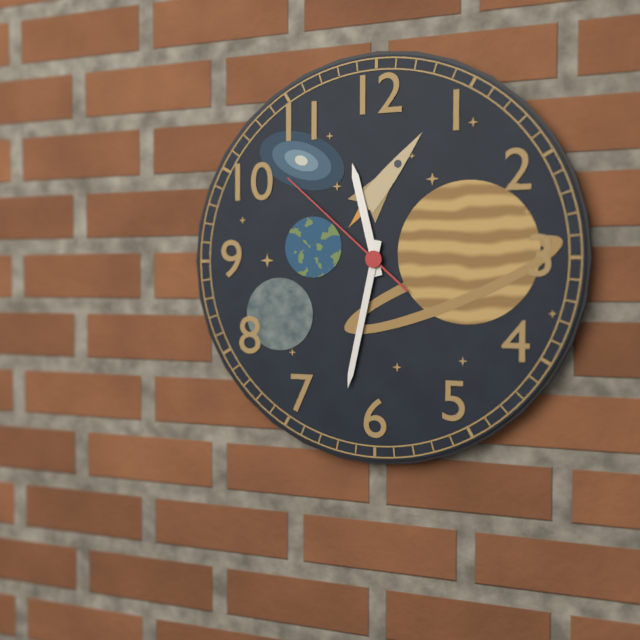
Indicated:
h=11 m=32 s=52
